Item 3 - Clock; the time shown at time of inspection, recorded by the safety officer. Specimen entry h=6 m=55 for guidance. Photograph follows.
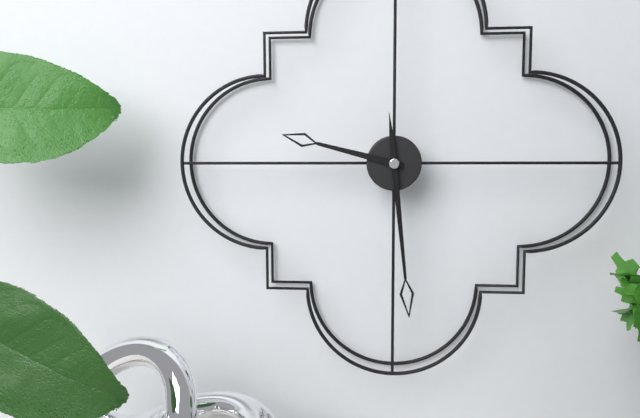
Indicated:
h=9 m=29
